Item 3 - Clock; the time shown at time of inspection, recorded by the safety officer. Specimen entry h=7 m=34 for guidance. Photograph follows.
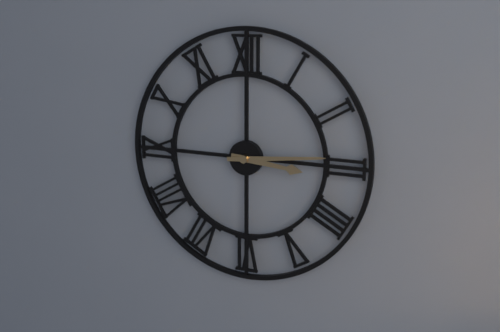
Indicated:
h=3 m=14
